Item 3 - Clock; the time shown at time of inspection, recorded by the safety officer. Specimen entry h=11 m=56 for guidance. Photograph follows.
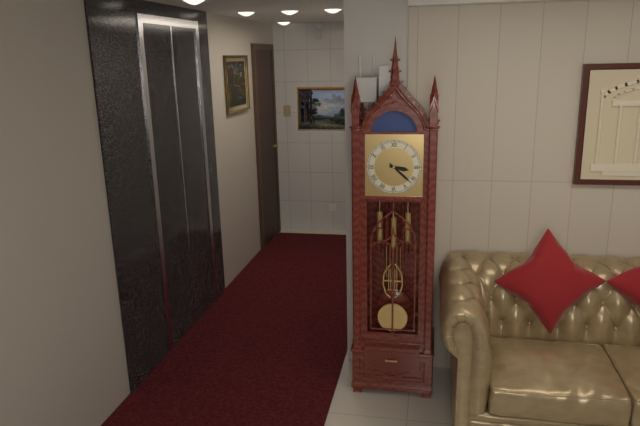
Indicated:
h=3 m=22
